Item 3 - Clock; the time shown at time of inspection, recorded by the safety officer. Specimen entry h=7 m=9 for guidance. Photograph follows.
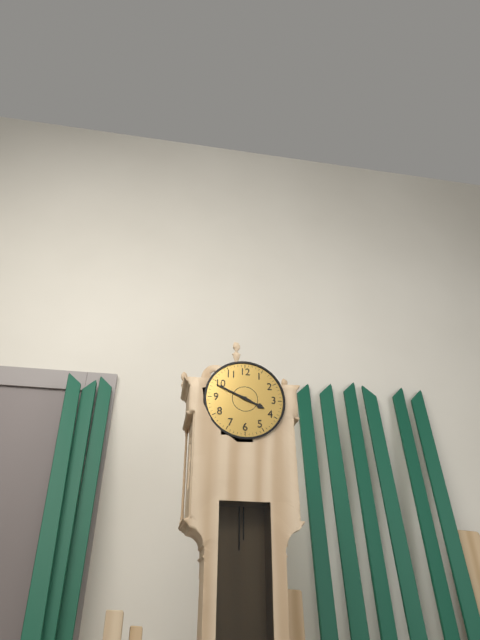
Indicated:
h=3 m=49
